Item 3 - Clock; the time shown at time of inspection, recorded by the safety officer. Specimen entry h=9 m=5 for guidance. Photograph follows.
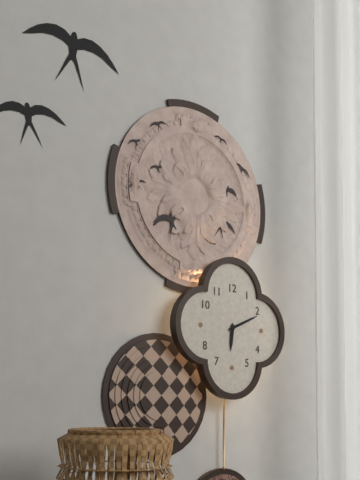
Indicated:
h=6 m=11
